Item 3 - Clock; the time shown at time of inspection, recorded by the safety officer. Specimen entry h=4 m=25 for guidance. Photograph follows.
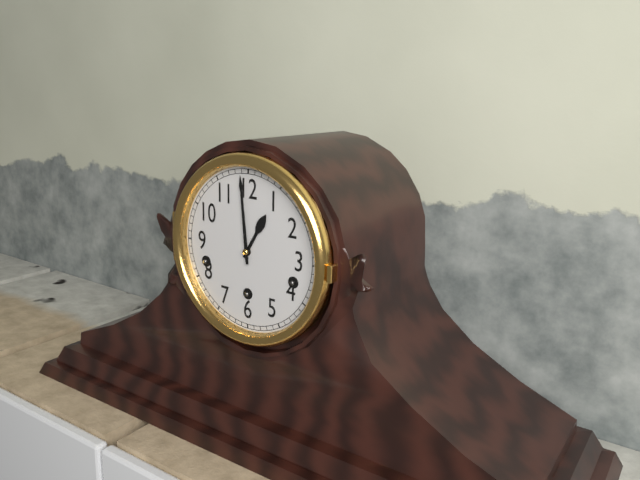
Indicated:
h=12 m=59
